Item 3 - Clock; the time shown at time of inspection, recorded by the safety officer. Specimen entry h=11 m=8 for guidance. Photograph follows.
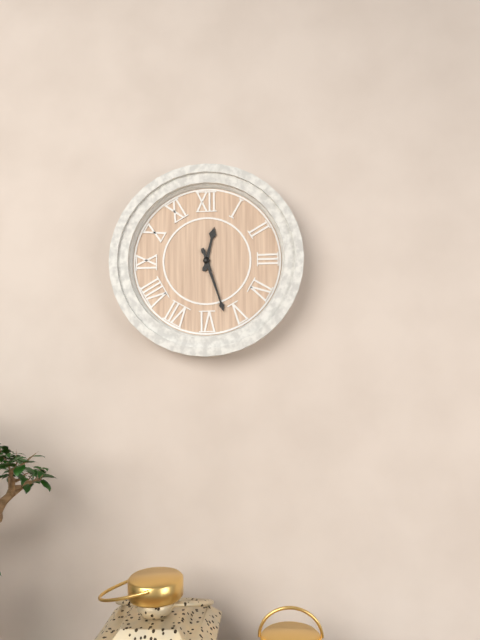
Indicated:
h=12 m=27
